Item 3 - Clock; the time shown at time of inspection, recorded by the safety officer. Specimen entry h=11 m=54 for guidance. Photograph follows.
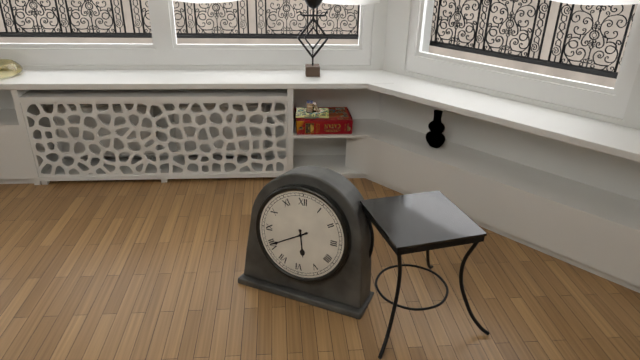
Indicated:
h=5 m=40
